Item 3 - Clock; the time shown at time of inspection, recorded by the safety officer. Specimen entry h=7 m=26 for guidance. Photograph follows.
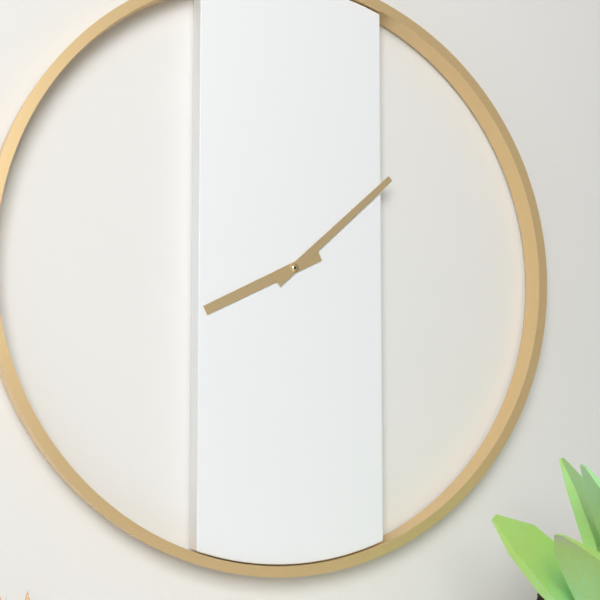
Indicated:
h=8 m=8
